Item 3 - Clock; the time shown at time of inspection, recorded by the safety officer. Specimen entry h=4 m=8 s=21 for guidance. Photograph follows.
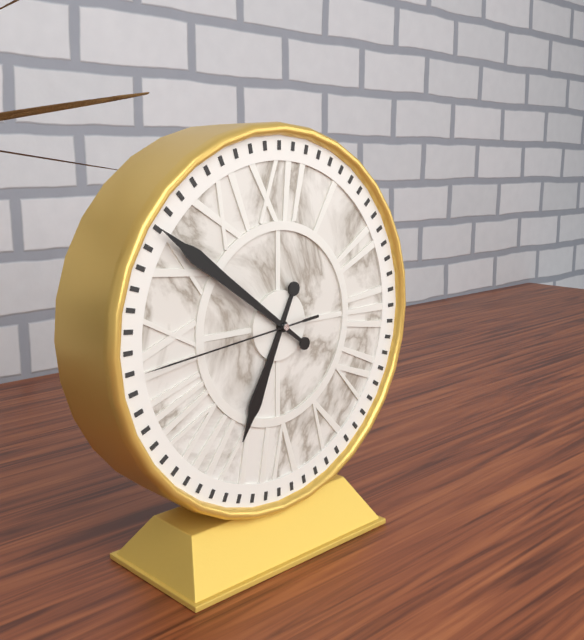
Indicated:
h=6 m=51 s=44
